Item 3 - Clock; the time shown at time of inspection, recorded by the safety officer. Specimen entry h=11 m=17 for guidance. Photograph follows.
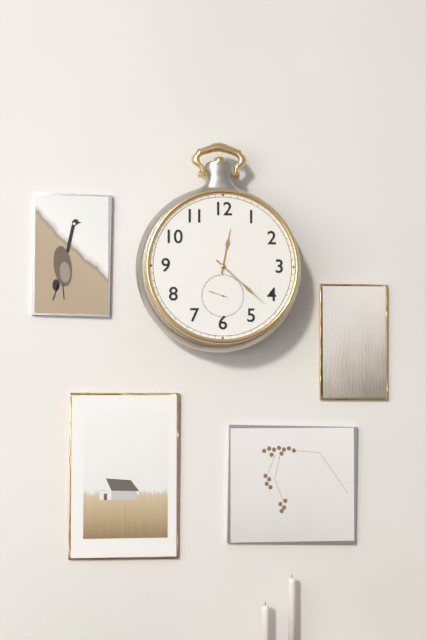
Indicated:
h=12 m=22
